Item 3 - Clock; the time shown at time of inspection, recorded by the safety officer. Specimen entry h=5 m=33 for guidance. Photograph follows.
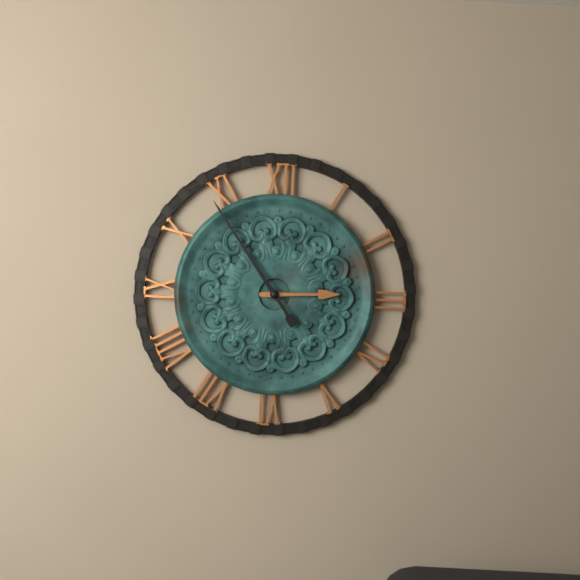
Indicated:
h=2 m=54
